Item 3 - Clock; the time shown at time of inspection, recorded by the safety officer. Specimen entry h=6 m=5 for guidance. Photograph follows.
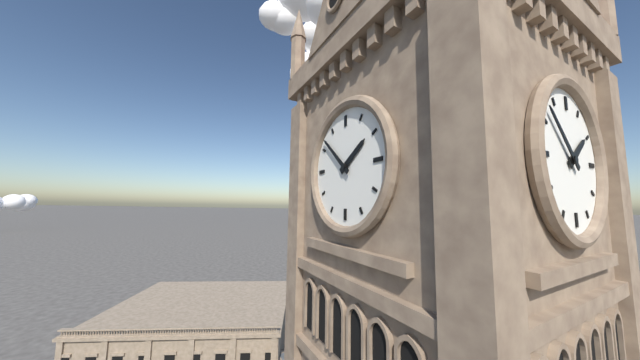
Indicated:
h=1 m=52
